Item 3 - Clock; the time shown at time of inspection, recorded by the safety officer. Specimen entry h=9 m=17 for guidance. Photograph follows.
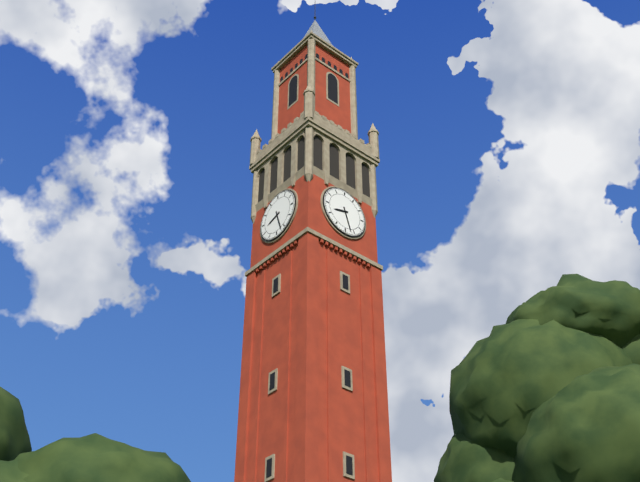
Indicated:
h=8 m=27
